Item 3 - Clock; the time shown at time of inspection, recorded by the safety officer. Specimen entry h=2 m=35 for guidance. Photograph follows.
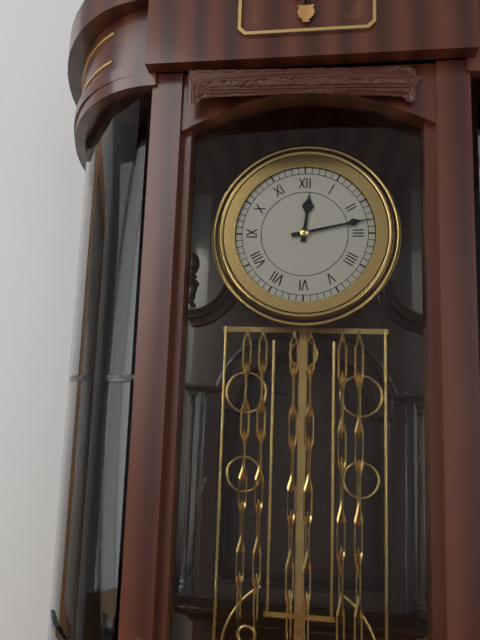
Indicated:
h=12 m=13
